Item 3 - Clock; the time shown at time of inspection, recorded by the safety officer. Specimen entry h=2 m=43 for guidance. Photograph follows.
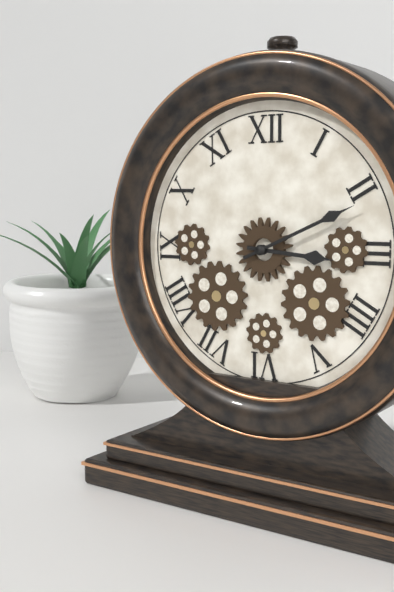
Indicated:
h=3 m=11
